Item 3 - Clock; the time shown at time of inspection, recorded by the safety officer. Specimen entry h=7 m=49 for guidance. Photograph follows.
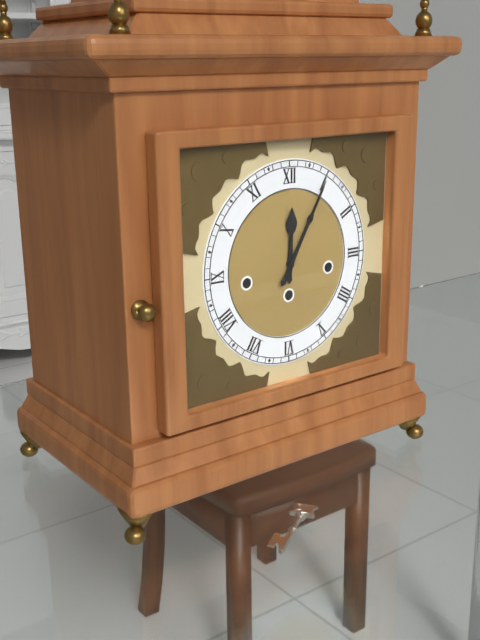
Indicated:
h=12 m=5
